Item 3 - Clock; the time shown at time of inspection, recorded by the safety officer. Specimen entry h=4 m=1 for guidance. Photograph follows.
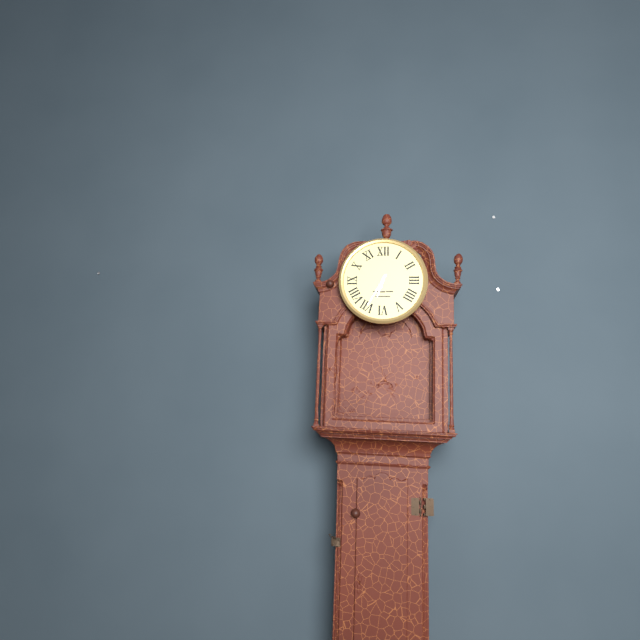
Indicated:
h=6 m=35
